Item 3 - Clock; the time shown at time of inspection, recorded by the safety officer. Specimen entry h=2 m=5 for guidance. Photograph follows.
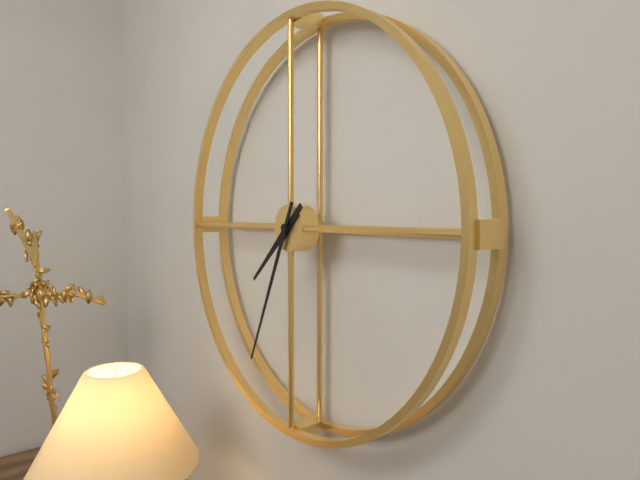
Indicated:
h=7 m=34
